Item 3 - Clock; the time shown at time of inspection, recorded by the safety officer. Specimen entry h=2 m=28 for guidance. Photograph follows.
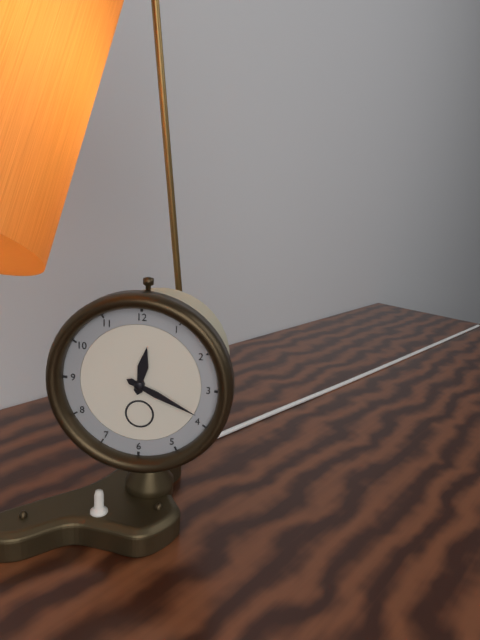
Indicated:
h=12 m=19
